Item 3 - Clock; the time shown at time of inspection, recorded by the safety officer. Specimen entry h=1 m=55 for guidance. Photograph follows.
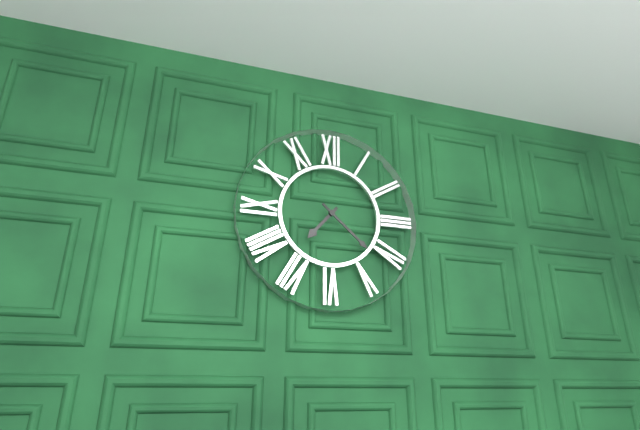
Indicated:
h=7 m=22
